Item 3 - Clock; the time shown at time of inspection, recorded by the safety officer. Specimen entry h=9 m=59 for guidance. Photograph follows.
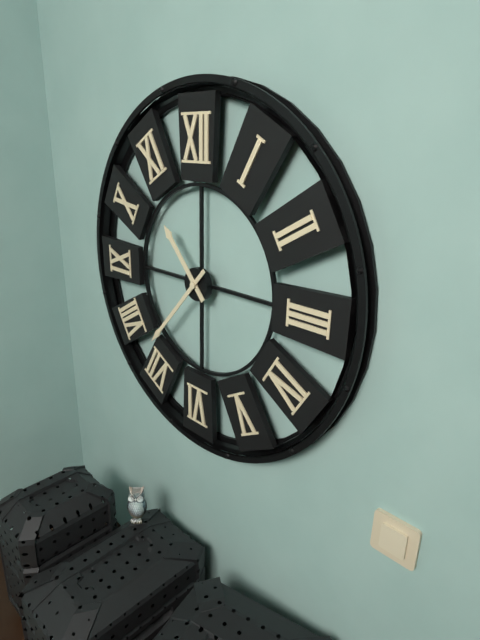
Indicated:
h=10 m=37
